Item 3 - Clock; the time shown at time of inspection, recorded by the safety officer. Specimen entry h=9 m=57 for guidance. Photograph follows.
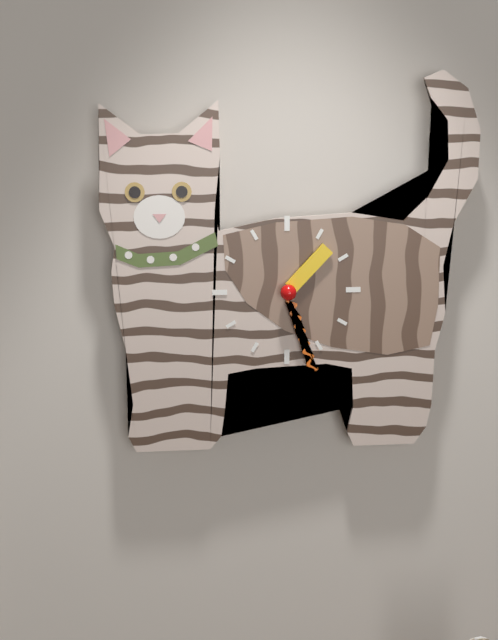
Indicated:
h=1 m=27
